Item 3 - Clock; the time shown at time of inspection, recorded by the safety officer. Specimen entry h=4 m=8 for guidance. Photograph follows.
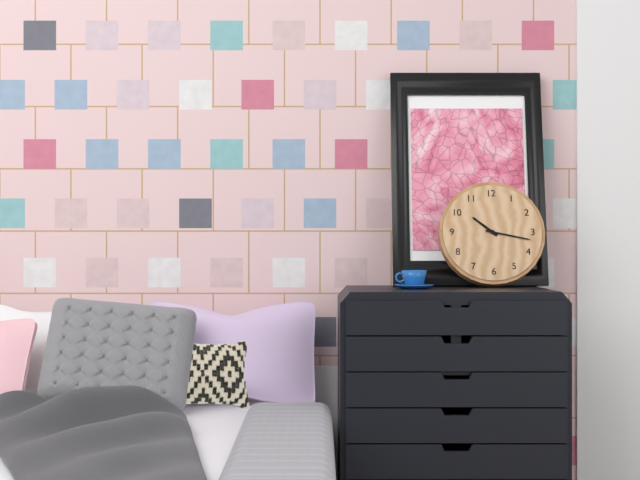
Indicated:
h=10 m=17
